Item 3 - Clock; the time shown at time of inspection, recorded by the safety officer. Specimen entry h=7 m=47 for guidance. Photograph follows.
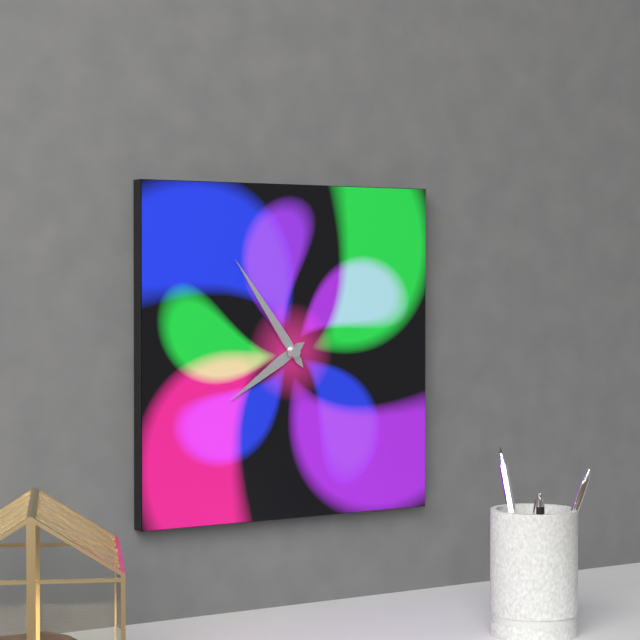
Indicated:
h=7 m=54
